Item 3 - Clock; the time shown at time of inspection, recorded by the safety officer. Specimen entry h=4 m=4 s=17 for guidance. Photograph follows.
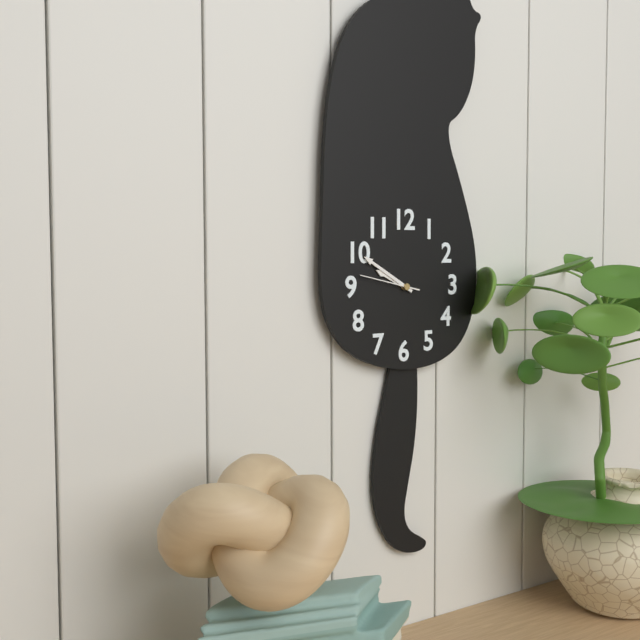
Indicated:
h=9 m=50 s=47
